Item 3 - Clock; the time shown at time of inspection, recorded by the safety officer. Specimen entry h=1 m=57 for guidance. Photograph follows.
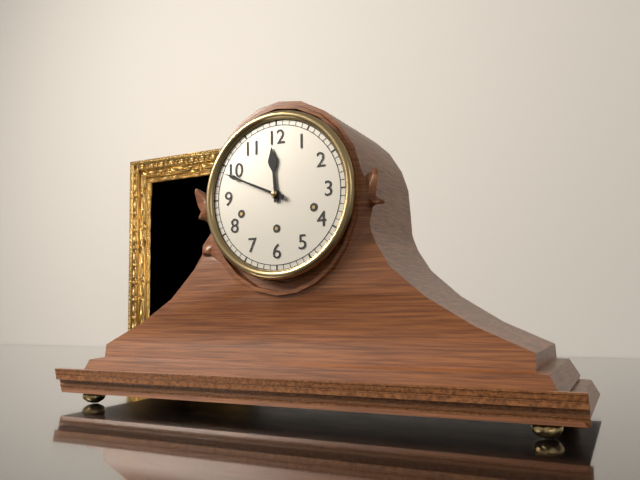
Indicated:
h=11 m=49
